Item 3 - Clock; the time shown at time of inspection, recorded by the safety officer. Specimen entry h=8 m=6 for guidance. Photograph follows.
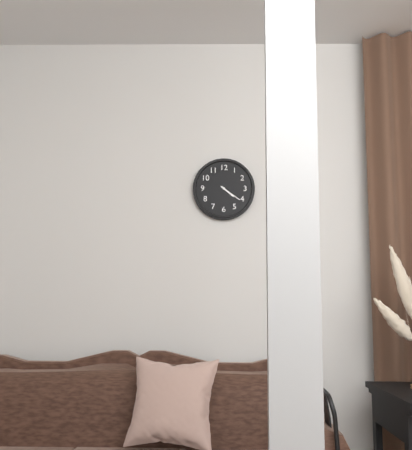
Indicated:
h=4 m=21
